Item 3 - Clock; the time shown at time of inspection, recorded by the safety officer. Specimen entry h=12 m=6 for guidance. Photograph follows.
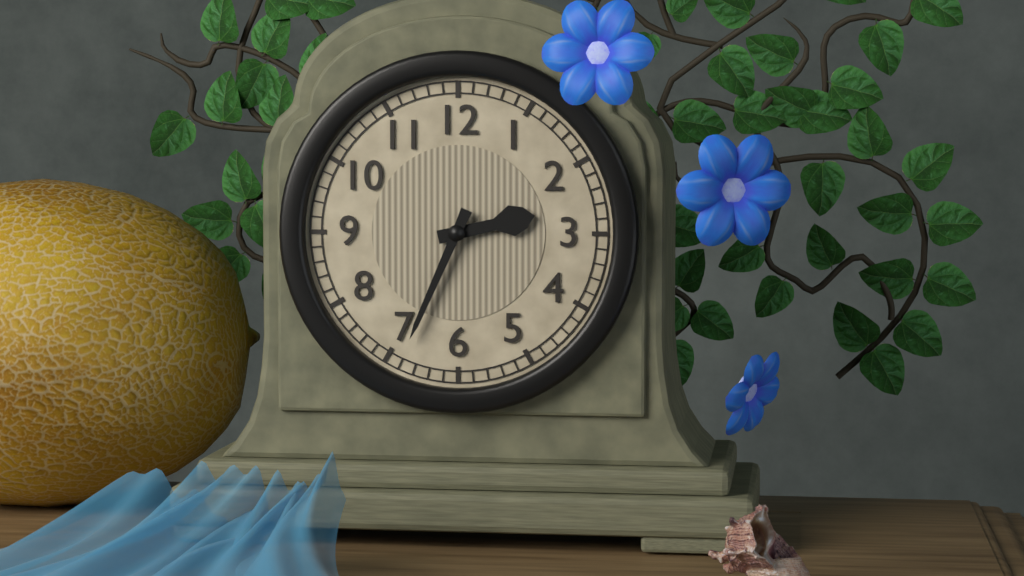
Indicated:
h=2 m=34
